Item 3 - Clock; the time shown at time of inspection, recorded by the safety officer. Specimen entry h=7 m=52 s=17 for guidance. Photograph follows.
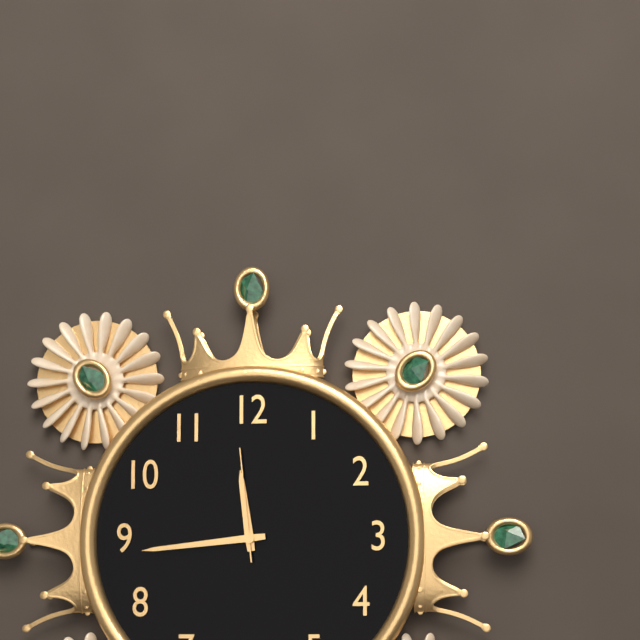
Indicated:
h=11 m=44 s=59
